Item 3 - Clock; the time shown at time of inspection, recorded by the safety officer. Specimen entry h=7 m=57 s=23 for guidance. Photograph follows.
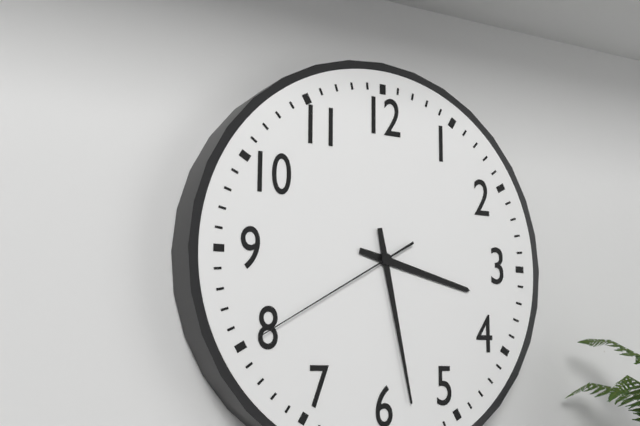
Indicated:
h=3 m=28 s=40
